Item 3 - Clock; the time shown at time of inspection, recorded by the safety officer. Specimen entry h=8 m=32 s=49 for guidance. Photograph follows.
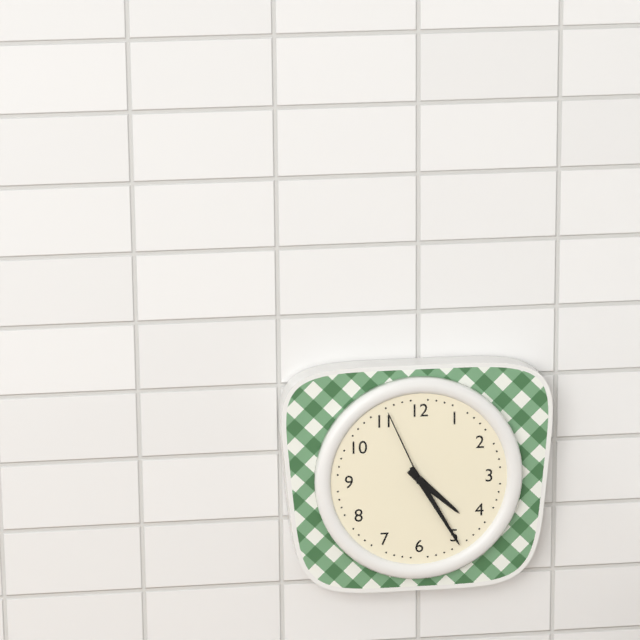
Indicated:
h=4 m=25 s=56
